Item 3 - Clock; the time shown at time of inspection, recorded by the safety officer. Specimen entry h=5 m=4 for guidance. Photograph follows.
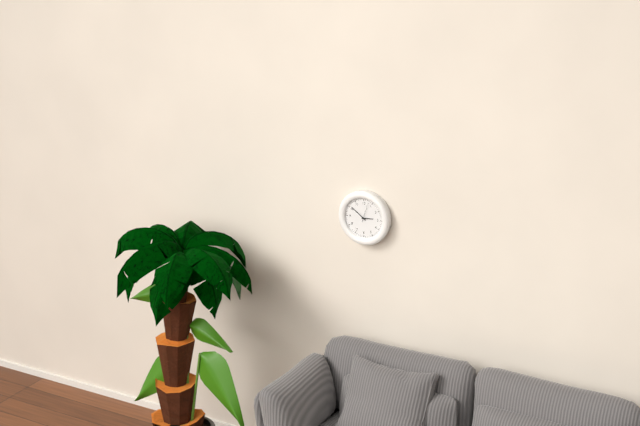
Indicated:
h=2 m=51
